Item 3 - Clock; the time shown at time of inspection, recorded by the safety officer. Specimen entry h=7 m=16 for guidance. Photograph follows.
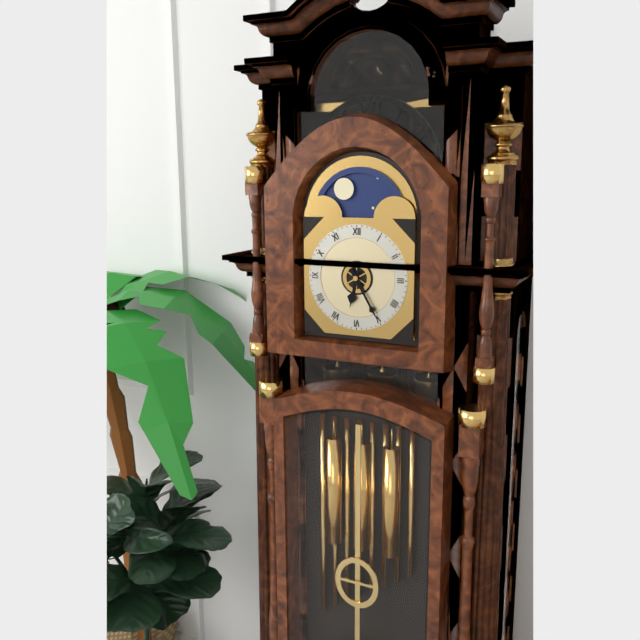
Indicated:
h=6 m=25
